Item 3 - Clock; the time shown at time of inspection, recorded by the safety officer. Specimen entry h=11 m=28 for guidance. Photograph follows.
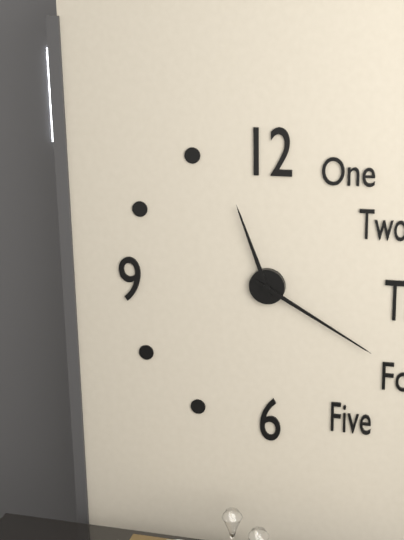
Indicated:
h=11 m=20
